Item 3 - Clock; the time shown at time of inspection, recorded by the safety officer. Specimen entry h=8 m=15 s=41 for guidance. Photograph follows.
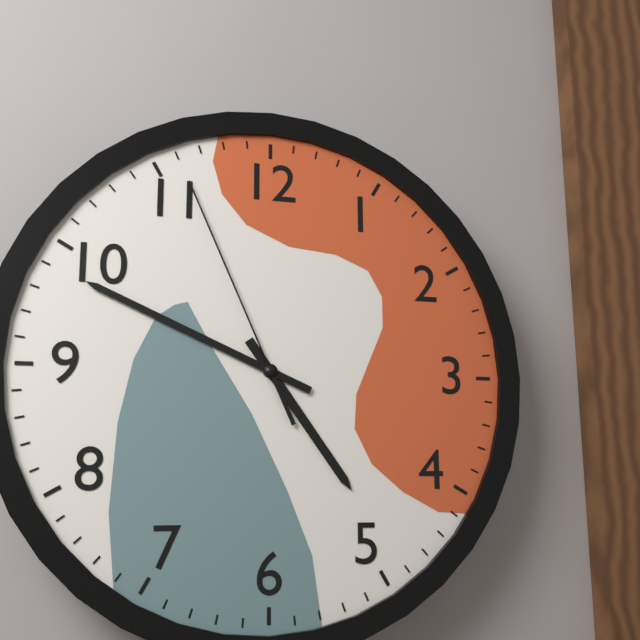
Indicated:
h=4 m=49 s=56
